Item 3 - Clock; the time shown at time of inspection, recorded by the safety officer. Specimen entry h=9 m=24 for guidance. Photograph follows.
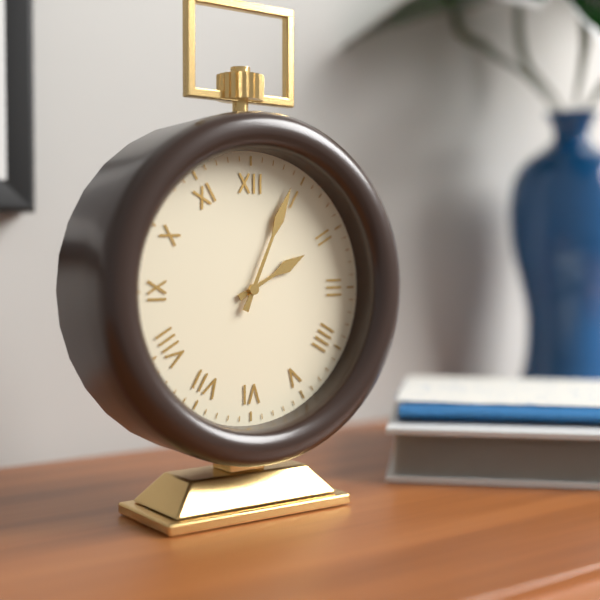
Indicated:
h=2 m=4
